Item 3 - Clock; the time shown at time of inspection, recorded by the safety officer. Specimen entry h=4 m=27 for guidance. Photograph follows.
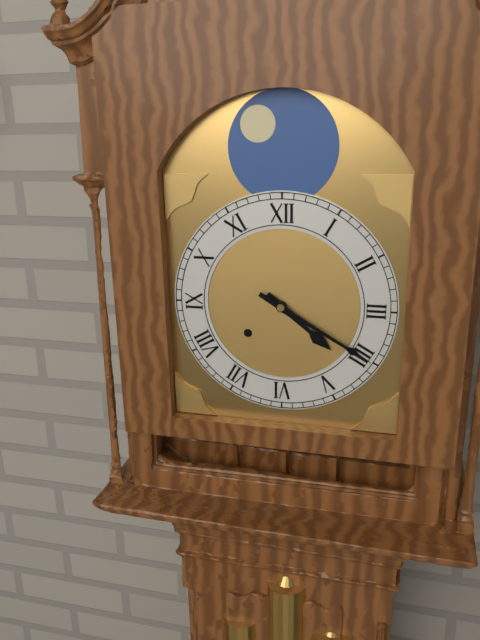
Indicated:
h=4 m=20
